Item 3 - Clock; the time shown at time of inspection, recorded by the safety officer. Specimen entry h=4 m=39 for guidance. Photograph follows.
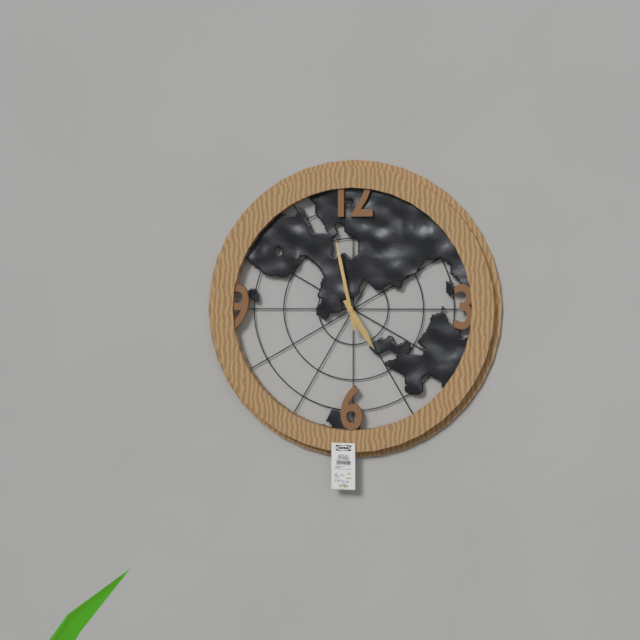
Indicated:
h=4 m=58
